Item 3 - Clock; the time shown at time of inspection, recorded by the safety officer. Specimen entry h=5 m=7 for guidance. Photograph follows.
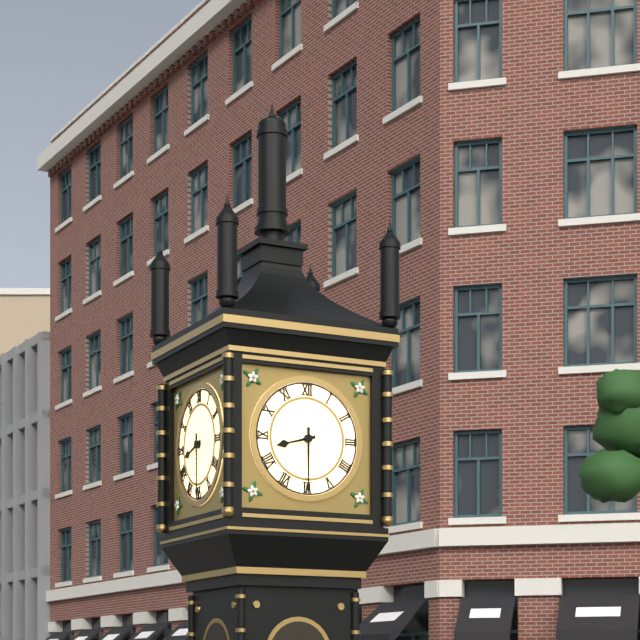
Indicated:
h=8 m=30
